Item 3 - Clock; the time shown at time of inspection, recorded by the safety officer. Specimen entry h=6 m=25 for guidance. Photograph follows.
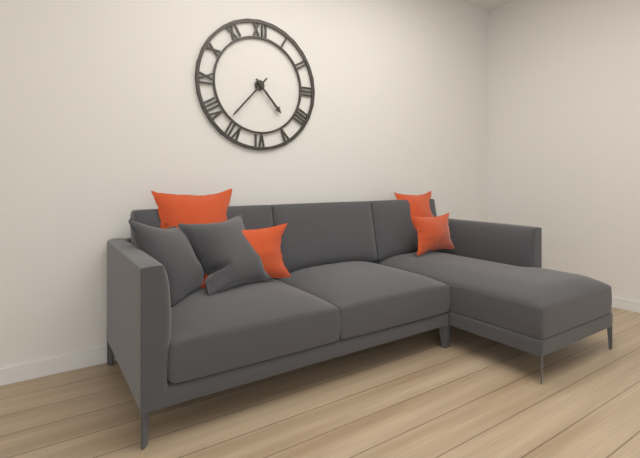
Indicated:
h=4 m=37
